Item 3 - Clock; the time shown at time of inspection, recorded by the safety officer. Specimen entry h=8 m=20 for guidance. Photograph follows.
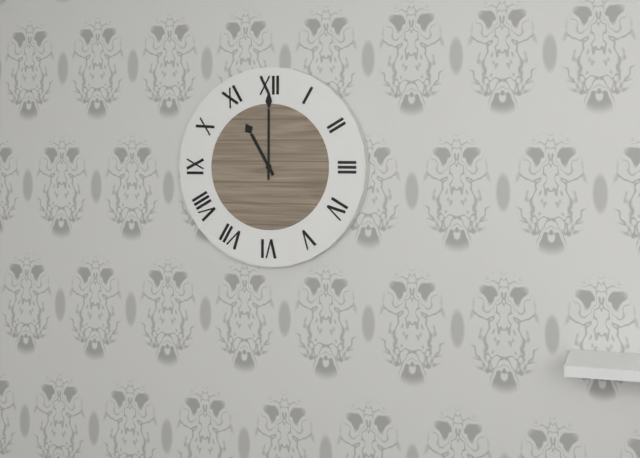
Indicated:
h=11 m=0
